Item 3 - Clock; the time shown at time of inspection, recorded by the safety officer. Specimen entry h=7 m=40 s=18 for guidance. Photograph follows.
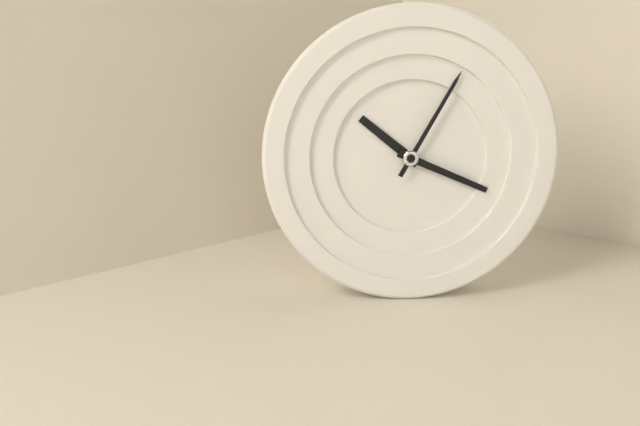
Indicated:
h=10 m=19 s=5
